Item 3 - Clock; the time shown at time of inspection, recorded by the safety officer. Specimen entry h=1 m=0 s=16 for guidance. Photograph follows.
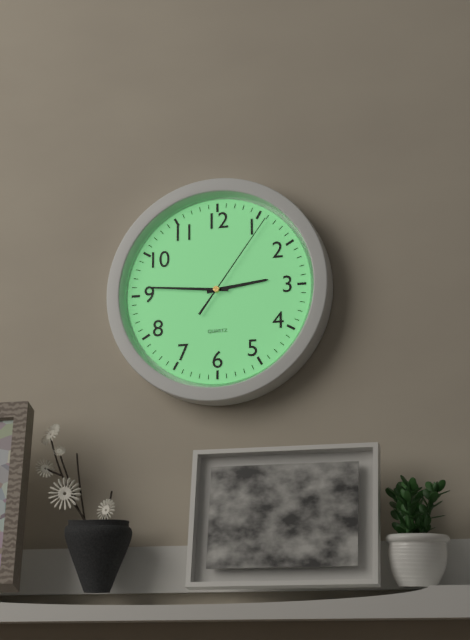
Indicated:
h=2 m=46 s=6
